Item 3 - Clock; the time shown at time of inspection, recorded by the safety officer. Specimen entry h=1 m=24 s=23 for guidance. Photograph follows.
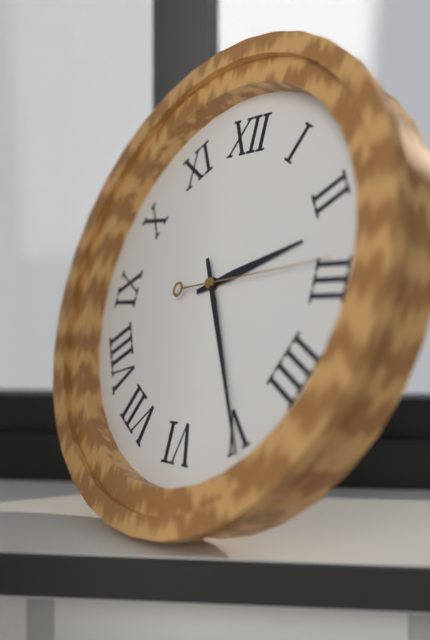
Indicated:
h=2 m=25 s=14
